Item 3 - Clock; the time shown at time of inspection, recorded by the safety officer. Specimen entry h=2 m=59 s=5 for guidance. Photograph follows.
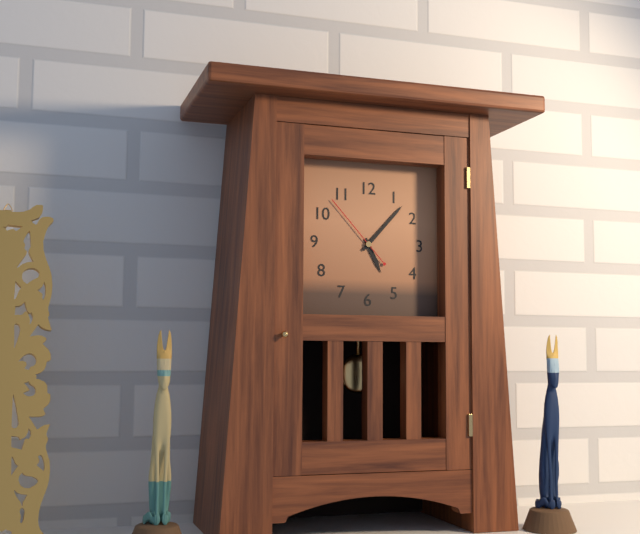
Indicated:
h=5 m=7 s=53
